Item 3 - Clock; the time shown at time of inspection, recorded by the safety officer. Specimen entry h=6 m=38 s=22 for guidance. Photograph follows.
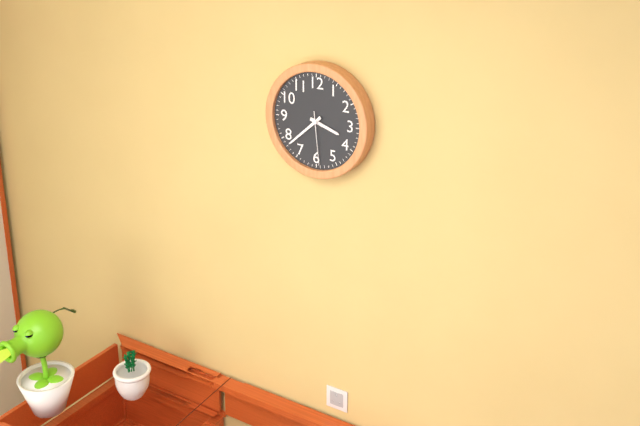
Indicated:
h=3 m=38 s=29
